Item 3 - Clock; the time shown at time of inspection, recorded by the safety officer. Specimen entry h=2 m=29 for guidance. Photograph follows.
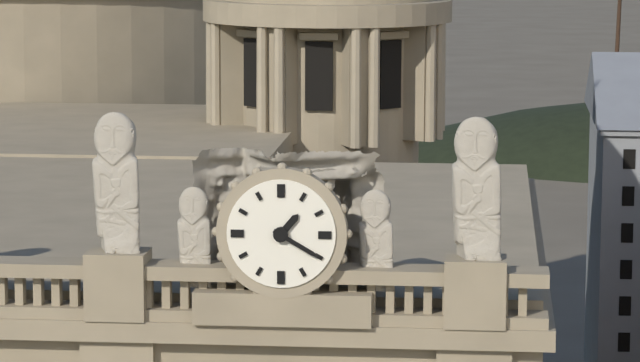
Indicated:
h=1 m=20
